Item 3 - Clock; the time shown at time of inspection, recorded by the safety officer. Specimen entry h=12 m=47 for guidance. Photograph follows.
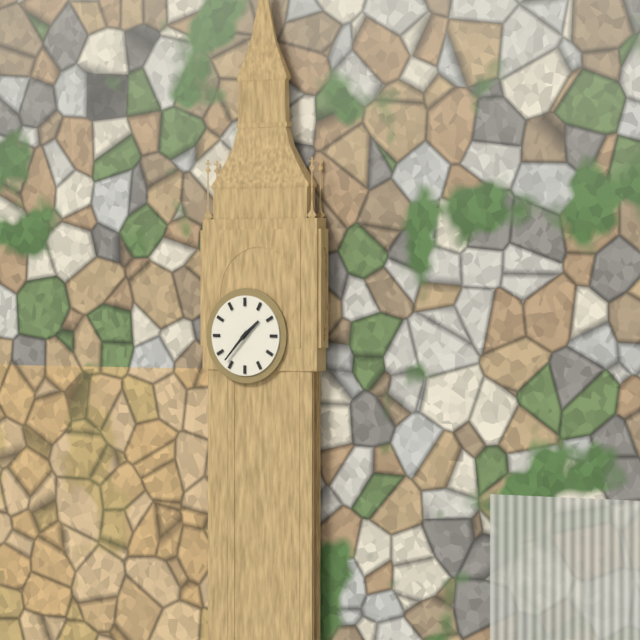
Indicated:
h=1 m=37
